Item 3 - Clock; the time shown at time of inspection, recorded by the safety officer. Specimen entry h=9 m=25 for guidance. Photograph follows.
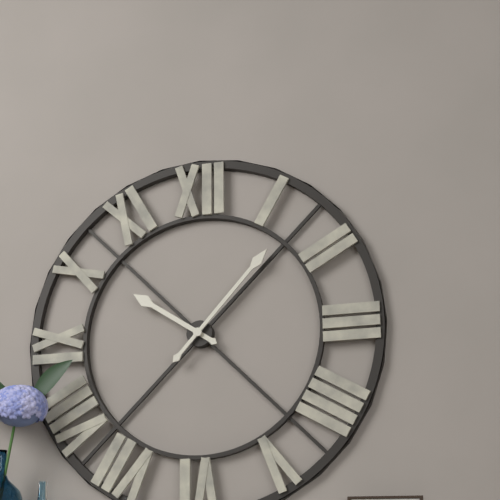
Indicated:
h=10 m=7
